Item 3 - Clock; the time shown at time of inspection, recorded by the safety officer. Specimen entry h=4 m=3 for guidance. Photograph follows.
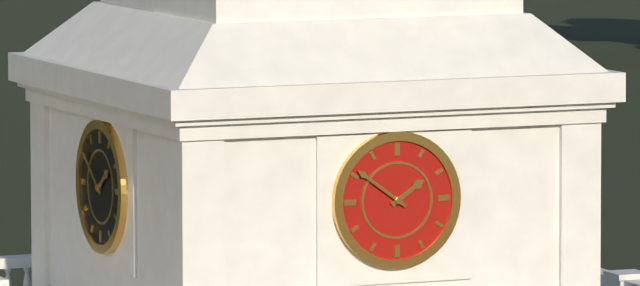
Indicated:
h=1 m=51
